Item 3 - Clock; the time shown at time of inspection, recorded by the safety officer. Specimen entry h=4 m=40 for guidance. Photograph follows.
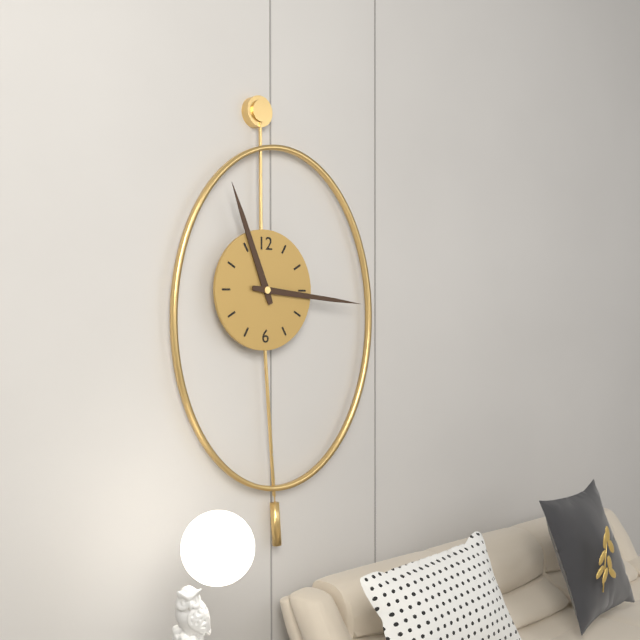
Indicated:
h=11 m=16
